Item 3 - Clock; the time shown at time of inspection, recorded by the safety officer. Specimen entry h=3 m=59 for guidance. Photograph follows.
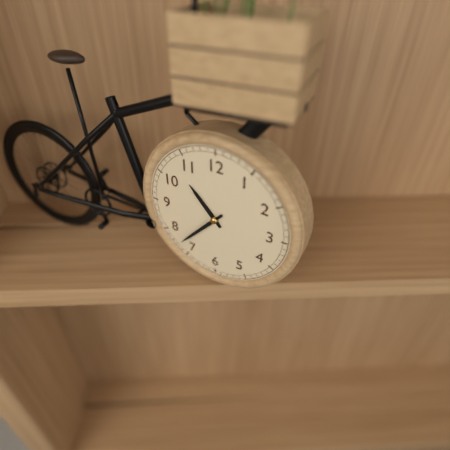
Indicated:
h=10 m=37
